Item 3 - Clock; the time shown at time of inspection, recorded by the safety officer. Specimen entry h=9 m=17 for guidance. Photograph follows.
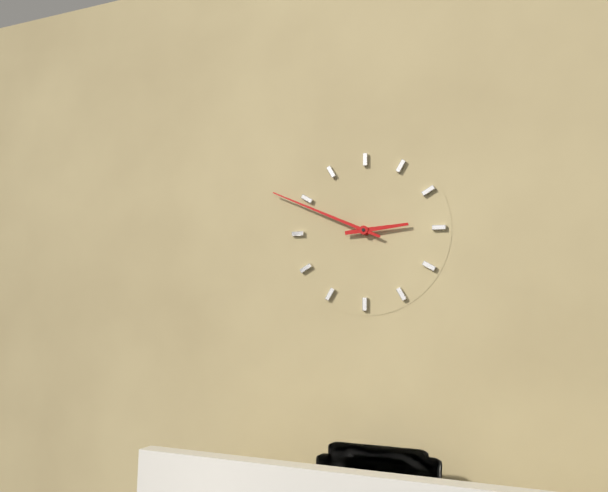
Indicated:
h=2 m=49
